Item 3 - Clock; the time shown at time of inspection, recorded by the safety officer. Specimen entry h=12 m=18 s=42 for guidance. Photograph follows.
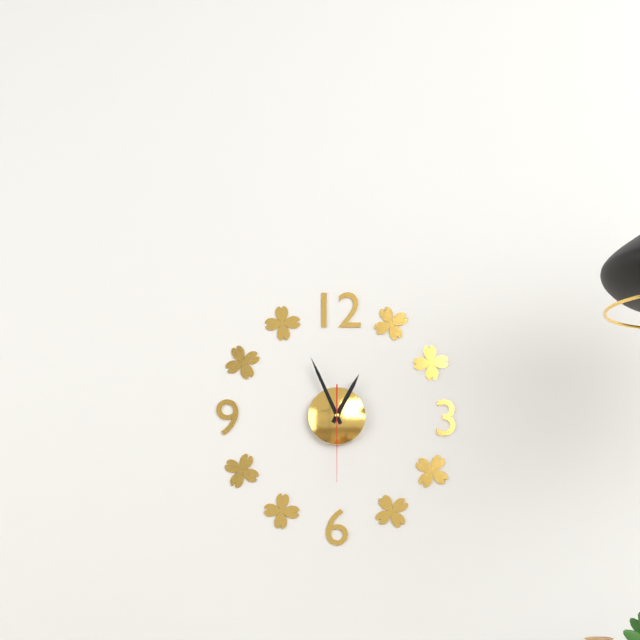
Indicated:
h=12 m=56 s=30
